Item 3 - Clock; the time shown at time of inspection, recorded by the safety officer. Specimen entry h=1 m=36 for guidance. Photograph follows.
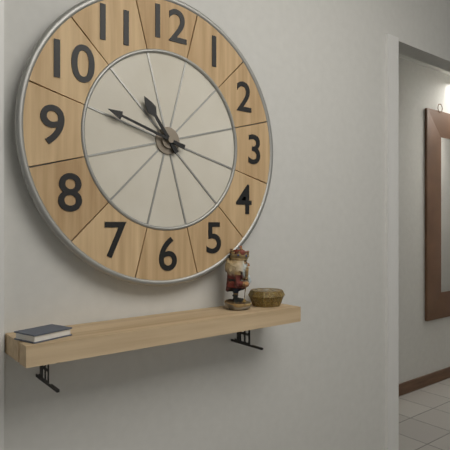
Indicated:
h=10 m=48
